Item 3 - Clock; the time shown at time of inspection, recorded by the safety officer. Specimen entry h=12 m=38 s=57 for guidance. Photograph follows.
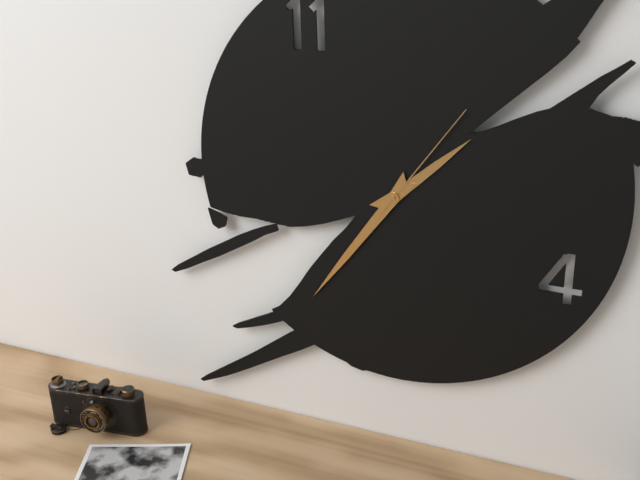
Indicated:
h=1 m=36 s=6
